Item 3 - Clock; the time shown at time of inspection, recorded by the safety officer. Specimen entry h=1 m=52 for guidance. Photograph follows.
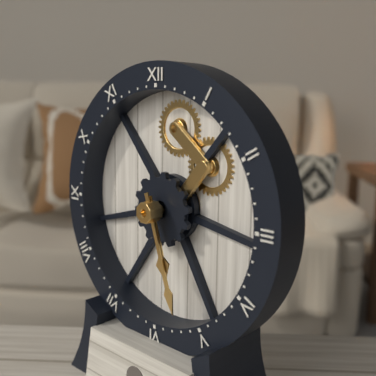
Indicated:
h=5 m=27
